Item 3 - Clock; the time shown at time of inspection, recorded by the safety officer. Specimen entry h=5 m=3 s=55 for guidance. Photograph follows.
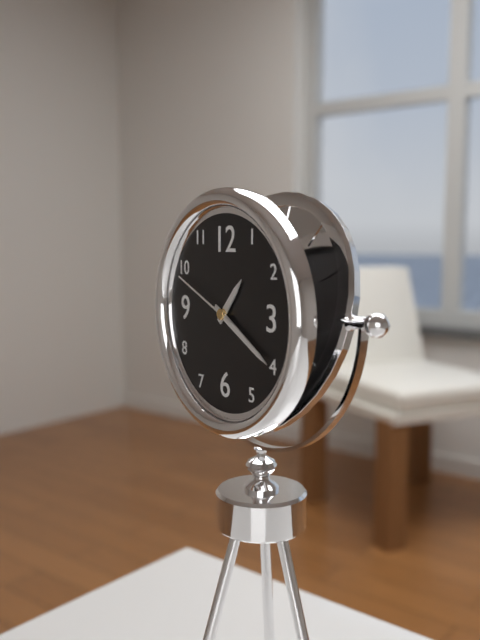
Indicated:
h=1 m=20 s=49
